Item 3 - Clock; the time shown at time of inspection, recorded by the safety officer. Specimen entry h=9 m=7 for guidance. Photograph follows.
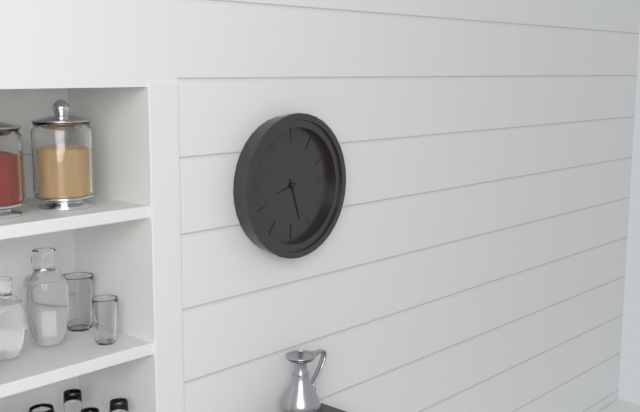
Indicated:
h=8 m=27
